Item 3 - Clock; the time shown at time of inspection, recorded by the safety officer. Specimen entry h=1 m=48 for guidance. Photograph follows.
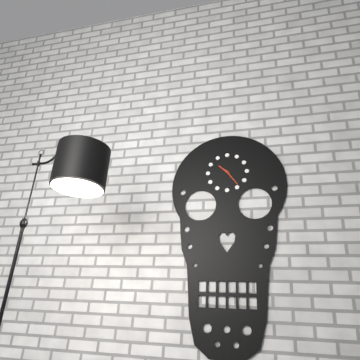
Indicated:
h=10 m=24
